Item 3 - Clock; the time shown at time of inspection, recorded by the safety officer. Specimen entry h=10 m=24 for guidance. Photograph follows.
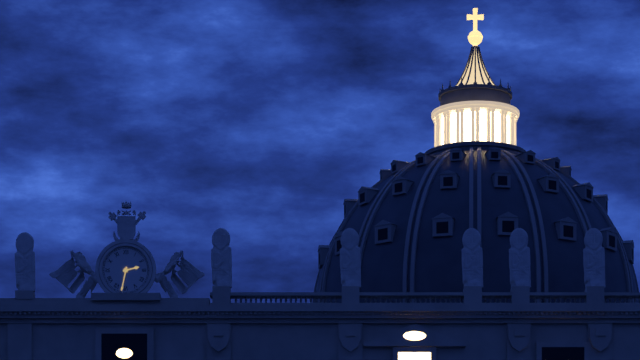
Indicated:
h=2 m=32
